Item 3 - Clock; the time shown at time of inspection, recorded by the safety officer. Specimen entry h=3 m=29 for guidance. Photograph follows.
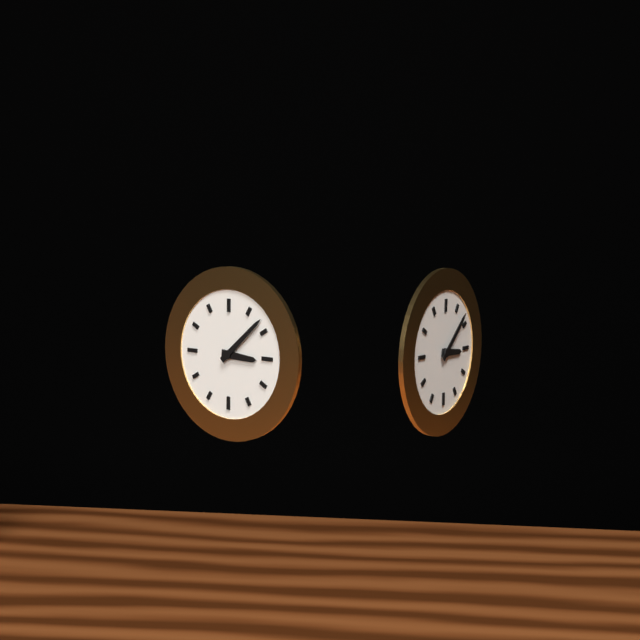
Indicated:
h=3 m=8
